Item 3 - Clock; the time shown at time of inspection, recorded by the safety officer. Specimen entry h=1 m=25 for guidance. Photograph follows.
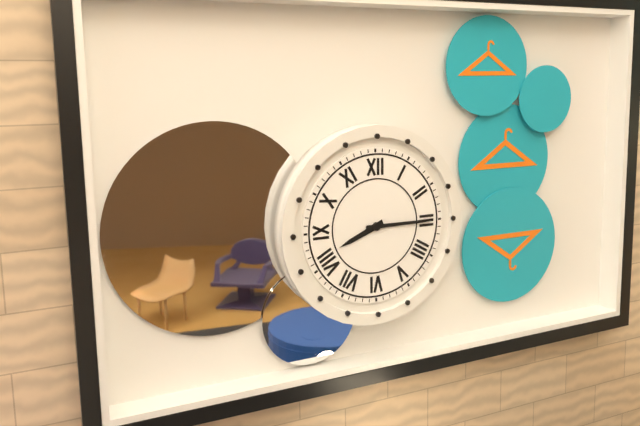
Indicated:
h=8 m=15
